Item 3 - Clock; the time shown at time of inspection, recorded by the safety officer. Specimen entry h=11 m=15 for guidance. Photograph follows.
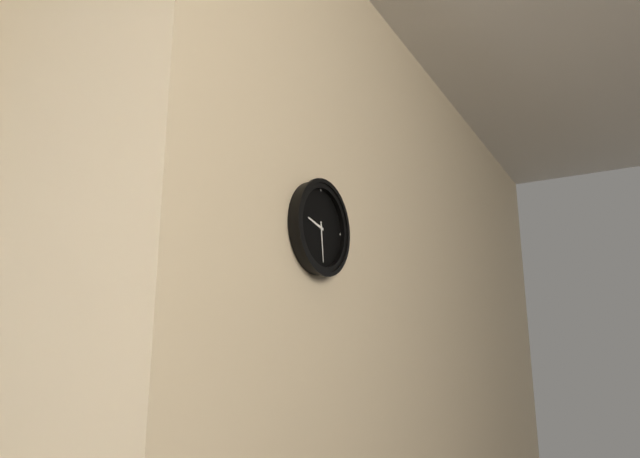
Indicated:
h=9 m=29
